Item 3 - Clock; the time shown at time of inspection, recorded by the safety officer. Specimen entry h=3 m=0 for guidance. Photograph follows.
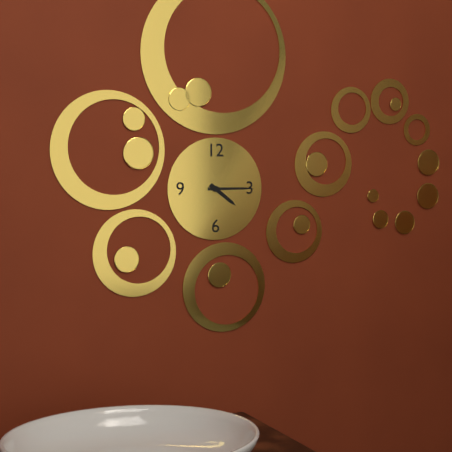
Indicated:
h=4 m=15
